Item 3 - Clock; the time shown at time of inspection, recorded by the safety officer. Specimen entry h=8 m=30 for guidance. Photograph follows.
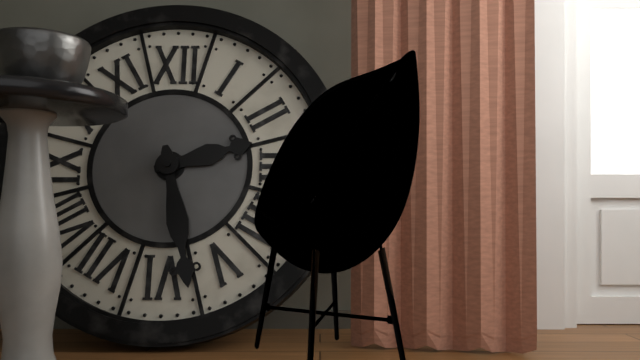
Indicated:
h=2 m=28
